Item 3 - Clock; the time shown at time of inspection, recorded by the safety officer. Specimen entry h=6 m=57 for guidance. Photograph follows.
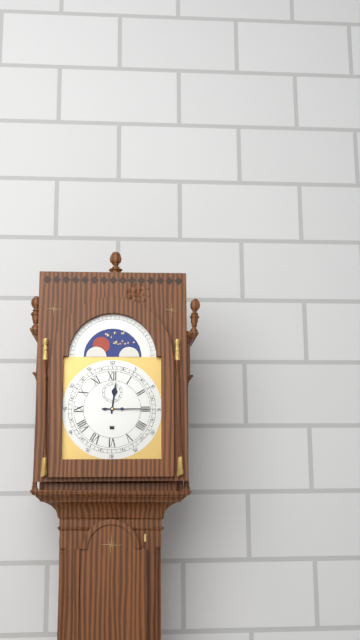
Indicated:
h=12 m=15
